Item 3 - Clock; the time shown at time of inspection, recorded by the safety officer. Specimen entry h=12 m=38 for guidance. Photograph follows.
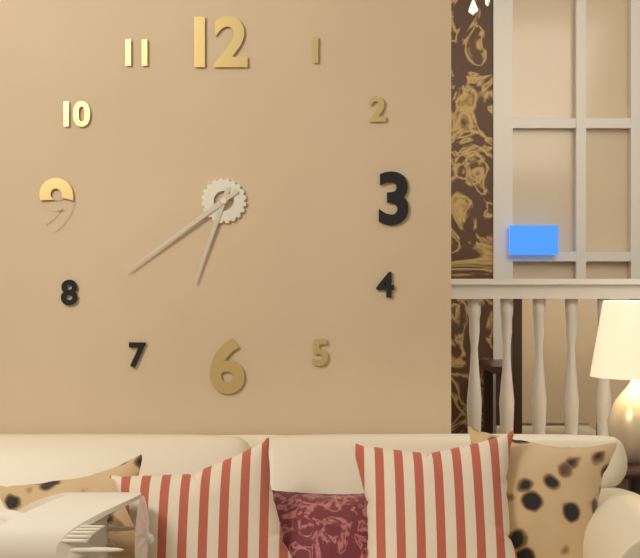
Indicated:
h=6 m=39
